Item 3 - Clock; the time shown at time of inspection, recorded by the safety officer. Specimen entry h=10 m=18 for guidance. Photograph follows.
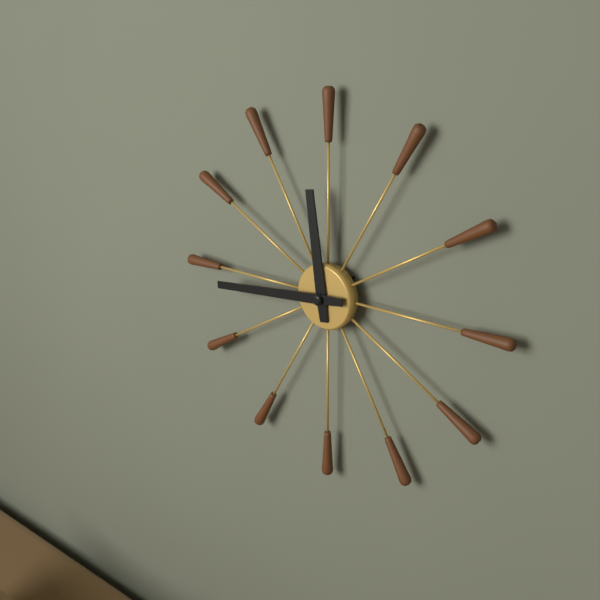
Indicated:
h=11 m=44
